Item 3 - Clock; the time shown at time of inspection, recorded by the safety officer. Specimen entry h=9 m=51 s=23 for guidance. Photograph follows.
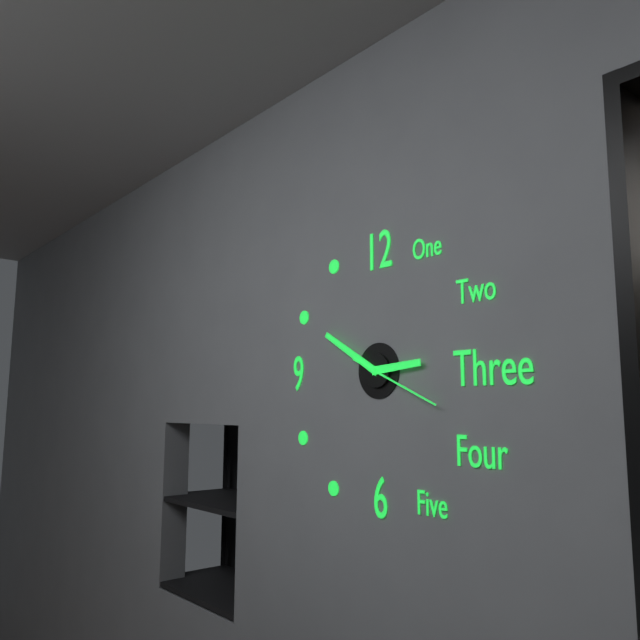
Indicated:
h=2 m=50 s=19
